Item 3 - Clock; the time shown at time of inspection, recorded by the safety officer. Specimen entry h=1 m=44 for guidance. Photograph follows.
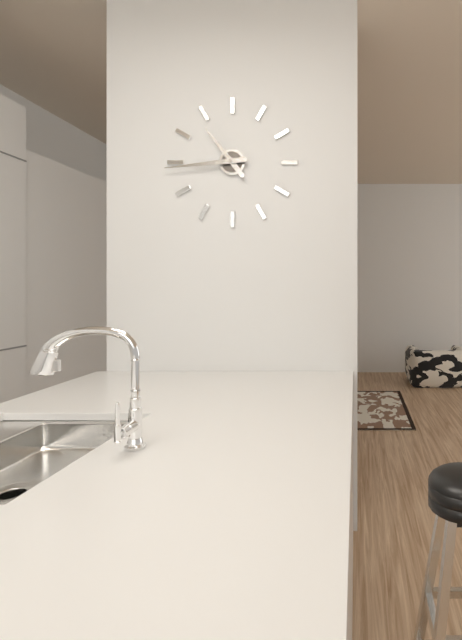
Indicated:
h=10 m=44
